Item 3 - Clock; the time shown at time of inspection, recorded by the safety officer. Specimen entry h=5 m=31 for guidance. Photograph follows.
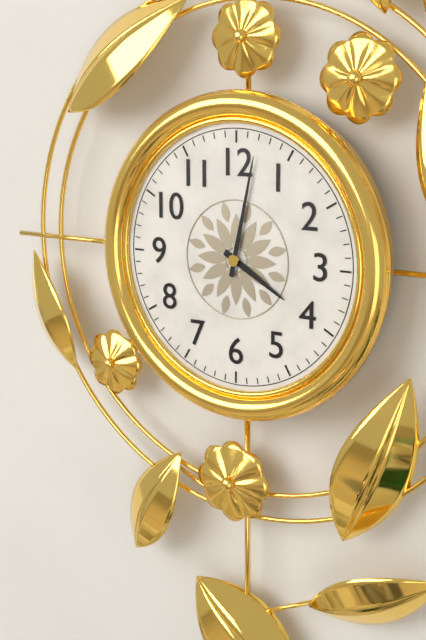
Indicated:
h=4 m=2
